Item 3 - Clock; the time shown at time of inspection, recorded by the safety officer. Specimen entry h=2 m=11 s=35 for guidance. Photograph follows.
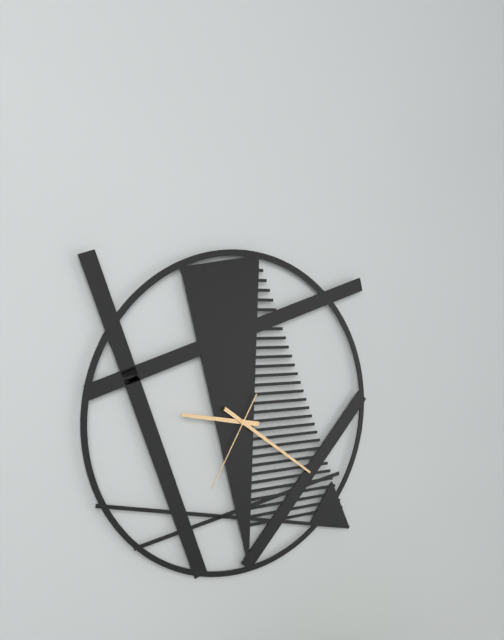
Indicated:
h=9 m=21 s=35
